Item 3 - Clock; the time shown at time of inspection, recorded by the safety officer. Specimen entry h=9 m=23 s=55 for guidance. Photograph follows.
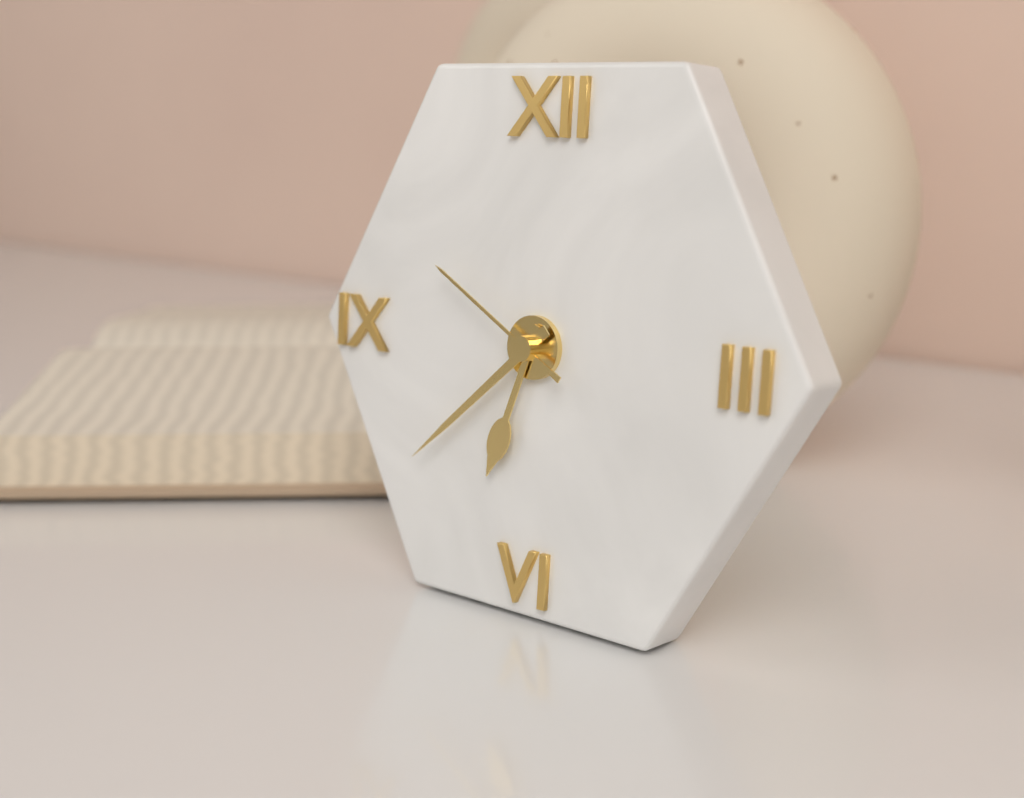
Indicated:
h=6 m=38 s=50
